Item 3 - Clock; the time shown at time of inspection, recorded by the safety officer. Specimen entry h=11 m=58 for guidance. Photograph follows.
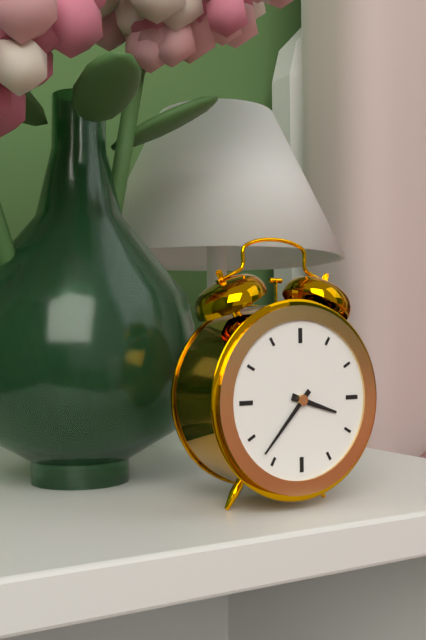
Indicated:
h=3 m=37
